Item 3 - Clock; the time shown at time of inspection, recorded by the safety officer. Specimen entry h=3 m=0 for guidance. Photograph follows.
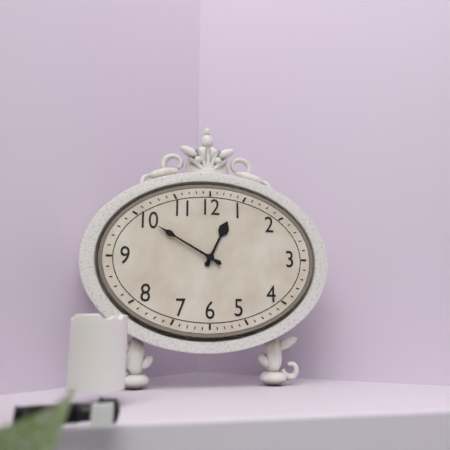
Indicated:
h=12 m=50
